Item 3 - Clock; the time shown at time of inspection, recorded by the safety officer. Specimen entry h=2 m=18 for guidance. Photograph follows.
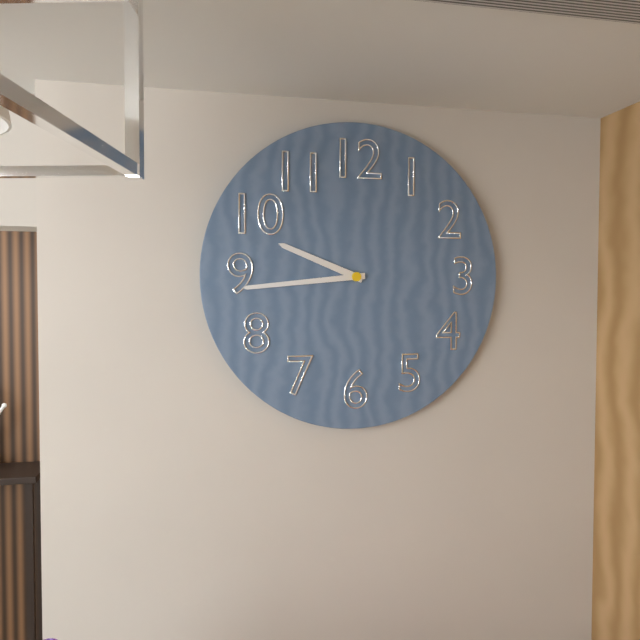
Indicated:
h=9 m=44
